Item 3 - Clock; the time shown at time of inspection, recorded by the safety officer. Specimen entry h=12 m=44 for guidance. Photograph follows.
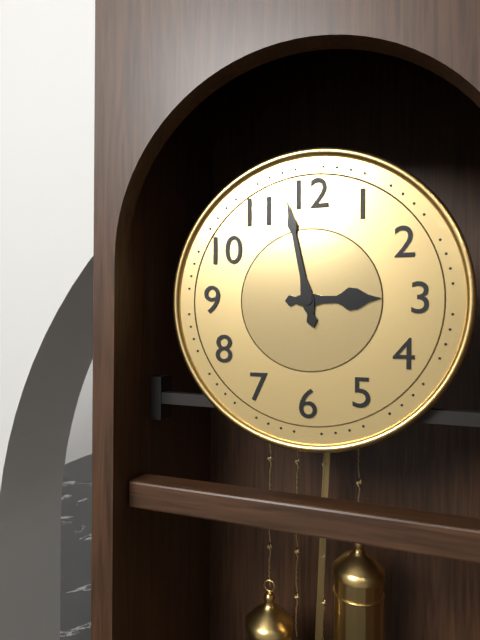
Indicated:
h=2 m=58
